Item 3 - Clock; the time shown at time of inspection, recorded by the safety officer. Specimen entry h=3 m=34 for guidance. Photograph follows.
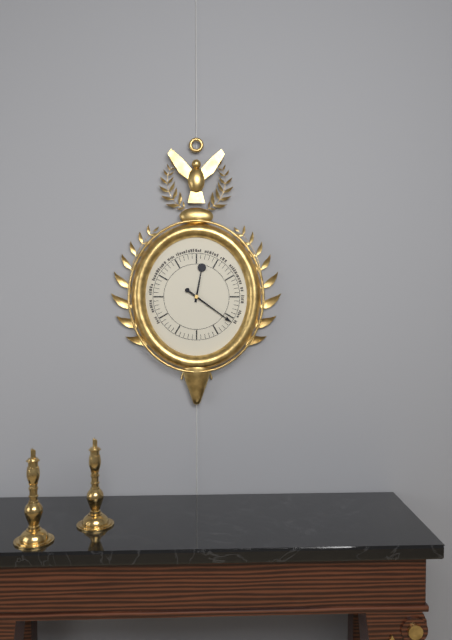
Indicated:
h=12 m=21
